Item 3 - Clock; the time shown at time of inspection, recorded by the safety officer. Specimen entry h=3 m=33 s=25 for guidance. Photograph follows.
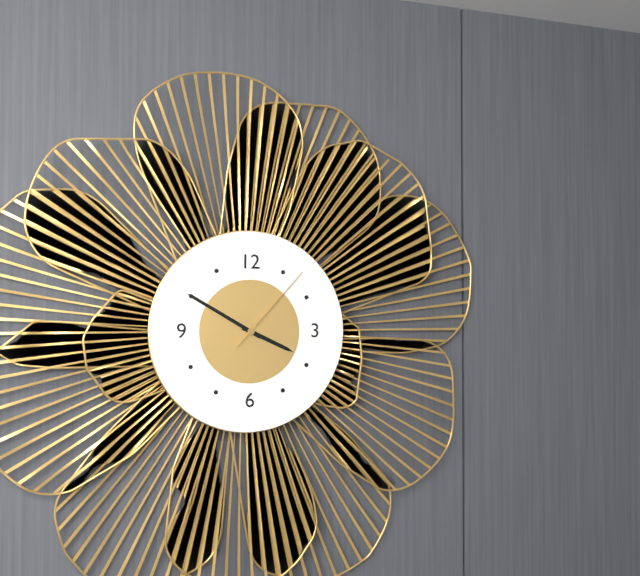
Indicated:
h=3 m=50 s=7
